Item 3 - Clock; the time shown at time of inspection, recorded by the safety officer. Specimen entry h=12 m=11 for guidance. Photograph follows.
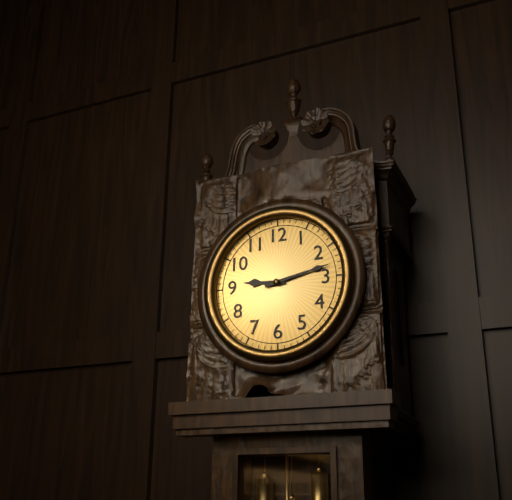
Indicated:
h=9 m=13
